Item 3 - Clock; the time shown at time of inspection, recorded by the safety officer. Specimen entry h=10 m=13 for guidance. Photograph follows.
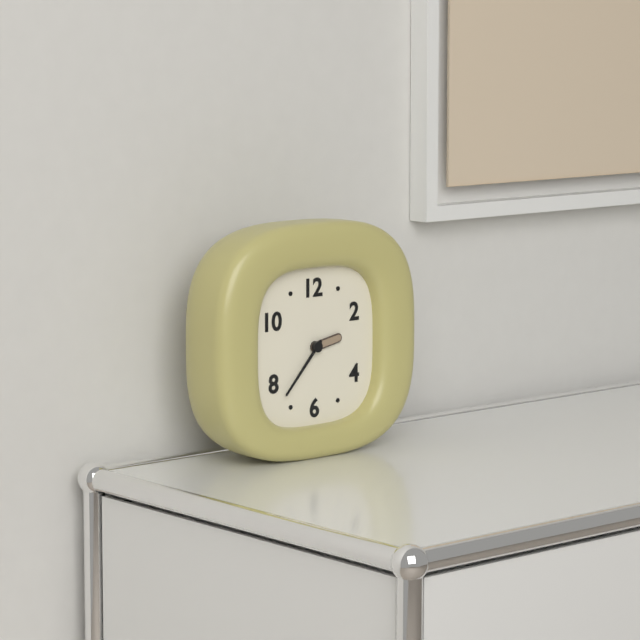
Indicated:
h=2 m=37
